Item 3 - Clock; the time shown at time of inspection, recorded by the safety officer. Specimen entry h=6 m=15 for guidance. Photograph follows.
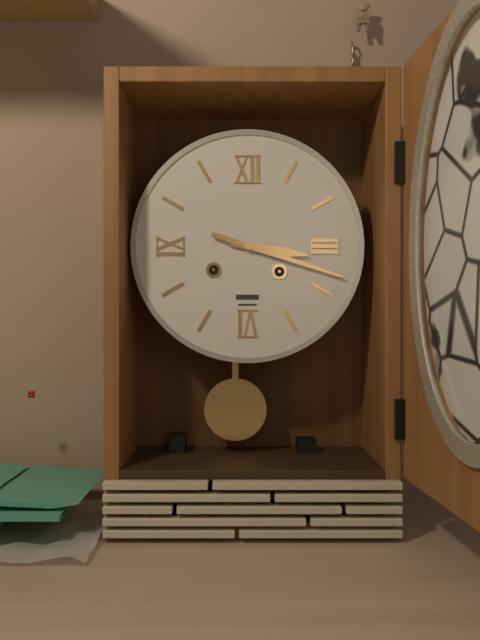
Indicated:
h=3 m=18
